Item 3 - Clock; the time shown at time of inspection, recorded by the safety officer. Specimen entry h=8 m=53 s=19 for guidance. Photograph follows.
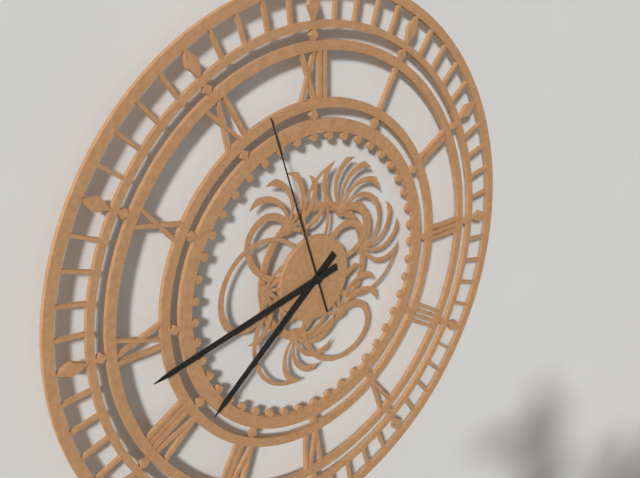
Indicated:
h=7 m=43 s=57
